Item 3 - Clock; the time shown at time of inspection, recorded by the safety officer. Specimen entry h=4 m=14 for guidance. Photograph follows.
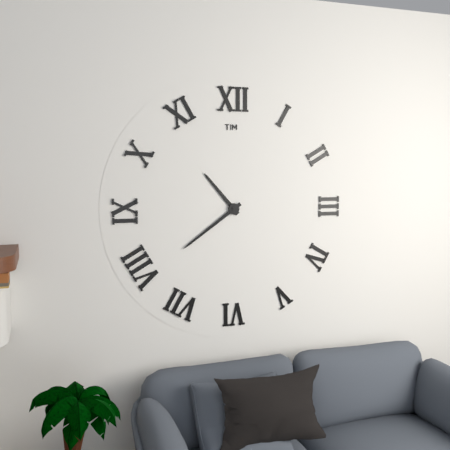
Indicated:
h=10 m=39
